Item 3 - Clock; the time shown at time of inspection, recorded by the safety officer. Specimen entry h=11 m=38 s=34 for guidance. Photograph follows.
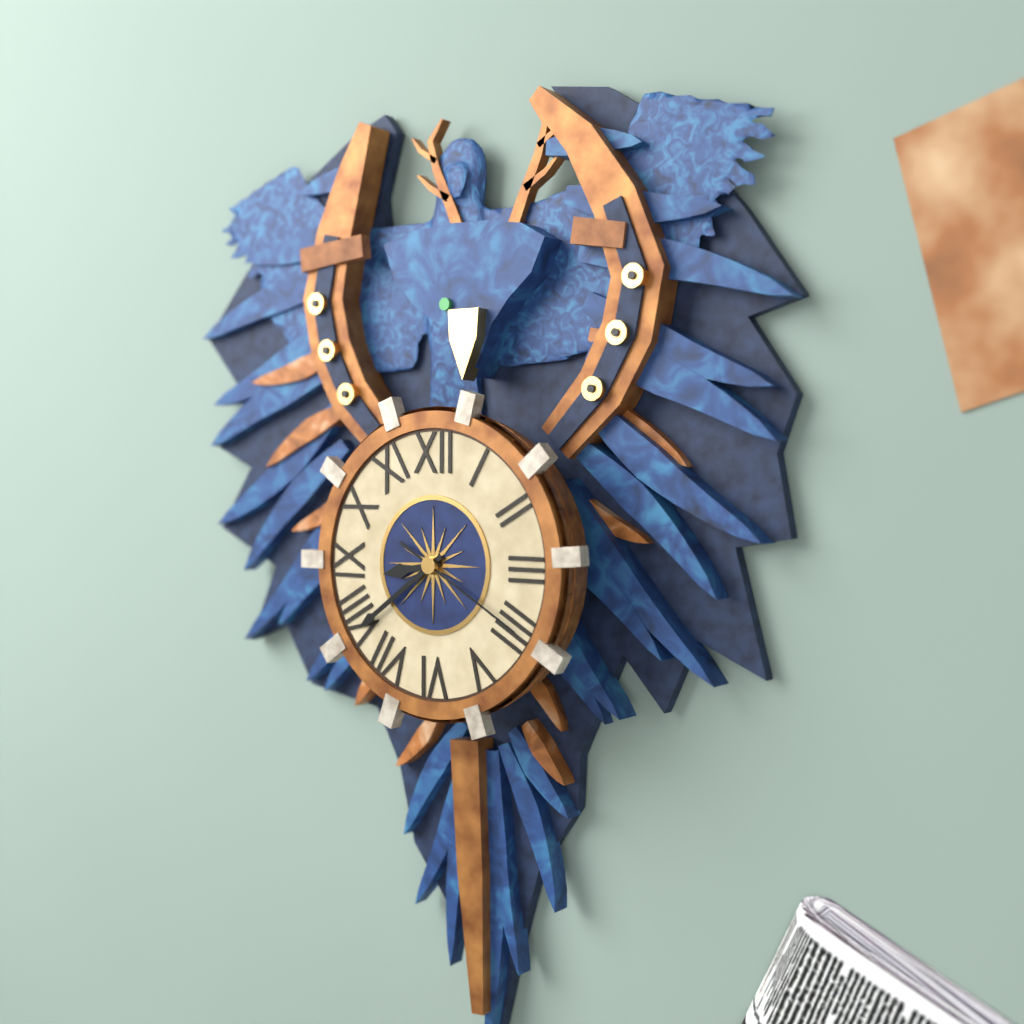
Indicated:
h=8 m=39 s=20
